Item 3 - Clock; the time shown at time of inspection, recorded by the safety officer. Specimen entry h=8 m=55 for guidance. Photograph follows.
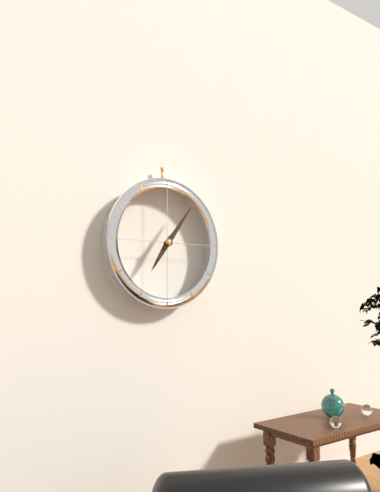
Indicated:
h=7 m=6
